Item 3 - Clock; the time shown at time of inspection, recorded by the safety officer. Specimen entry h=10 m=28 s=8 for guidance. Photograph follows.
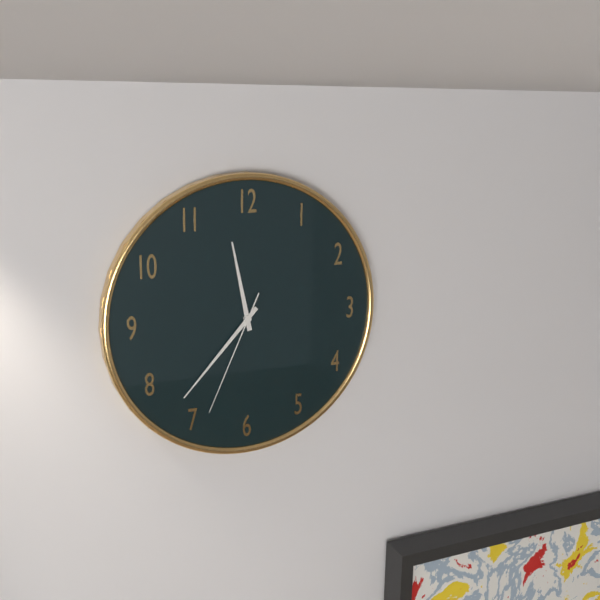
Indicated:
h=11 m=37 s=34
